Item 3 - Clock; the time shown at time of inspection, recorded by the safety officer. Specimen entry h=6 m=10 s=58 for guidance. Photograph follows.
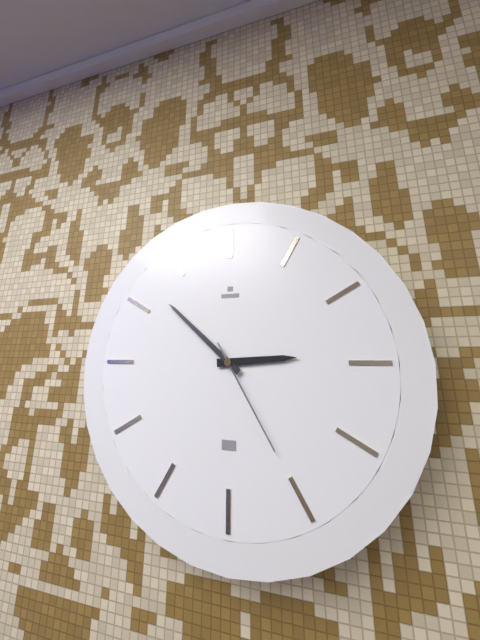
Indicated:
h=2 m=52 s=25
